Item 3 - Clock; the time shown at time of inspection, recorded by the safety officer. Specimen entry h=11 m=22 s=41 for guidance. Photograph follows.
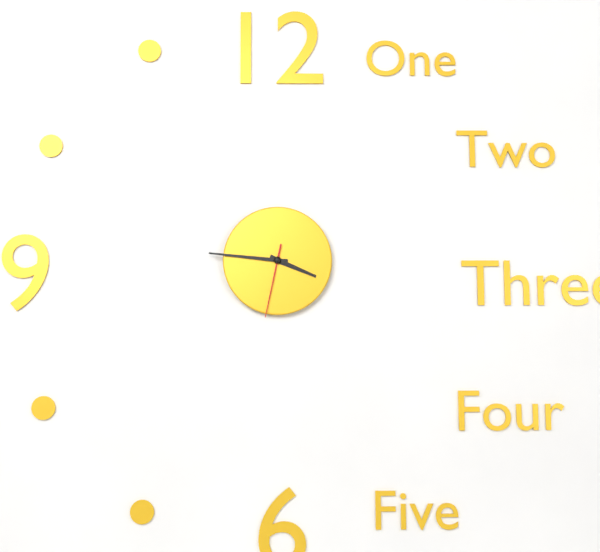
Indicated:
h=3 m=46 s=32
